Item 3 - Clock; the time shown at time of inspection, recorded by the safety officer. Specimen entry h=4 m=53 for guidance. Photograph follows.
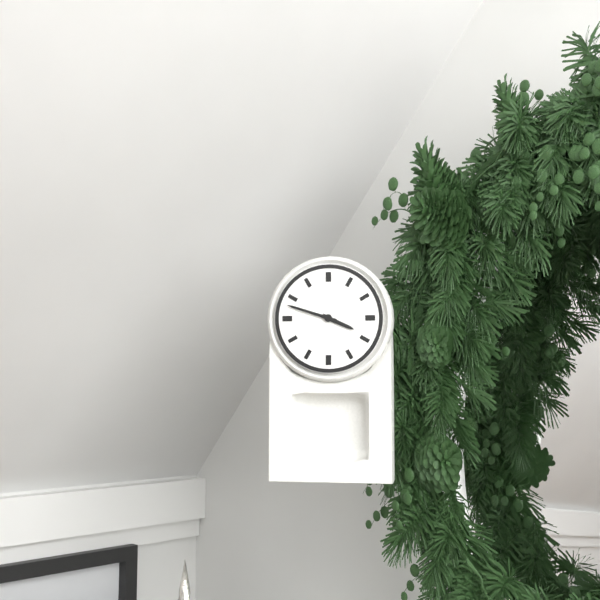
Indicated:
h=3 m=48
